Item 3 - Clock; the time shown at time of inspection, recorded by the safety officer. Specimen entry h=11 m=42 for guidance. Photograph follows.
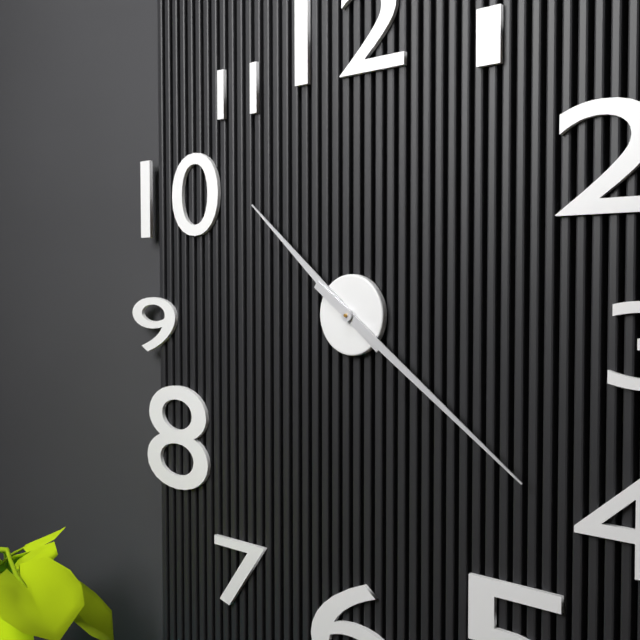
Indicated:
h=10 m=21
